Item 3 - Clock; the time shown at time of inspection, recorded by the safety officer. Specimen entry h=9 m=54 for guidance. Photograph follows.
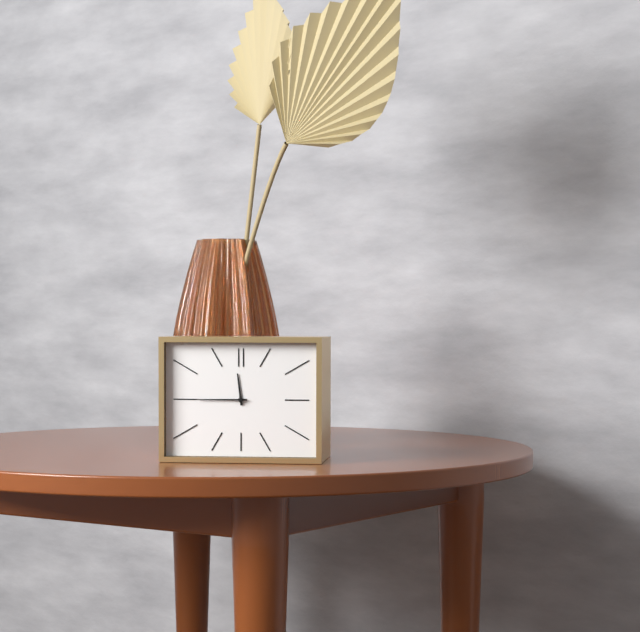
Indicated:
h=11 m=45
